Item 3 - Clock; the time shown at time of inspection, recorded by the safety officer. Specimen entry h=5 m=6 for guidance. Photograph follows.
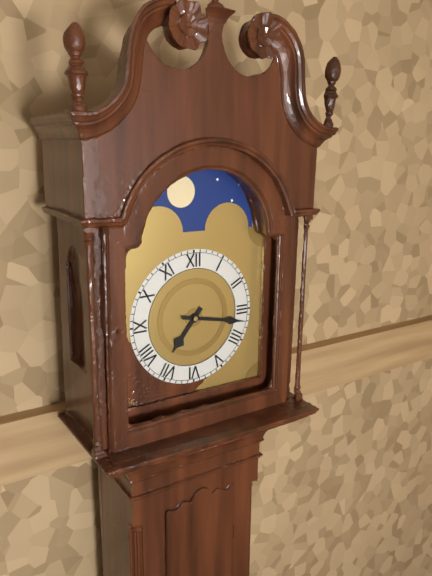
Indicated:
h=7 m=17
